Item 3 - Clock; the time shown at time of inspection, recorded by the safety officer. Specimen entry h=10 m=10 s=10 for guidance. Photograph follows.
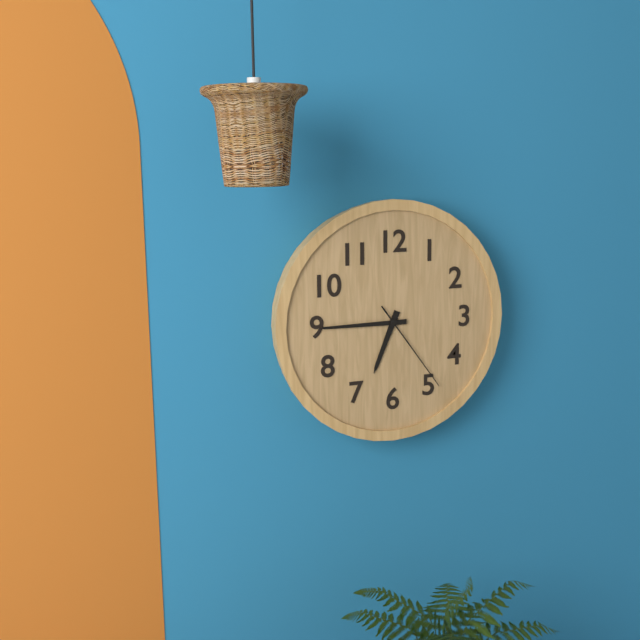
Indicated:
h=6 m=45 s=24
